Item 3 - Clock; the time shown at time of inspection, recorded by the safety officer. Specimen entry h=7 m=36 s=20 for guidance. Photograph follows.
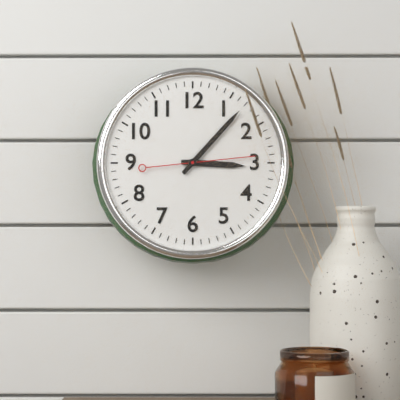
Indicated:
h=3 m=7 s=14
